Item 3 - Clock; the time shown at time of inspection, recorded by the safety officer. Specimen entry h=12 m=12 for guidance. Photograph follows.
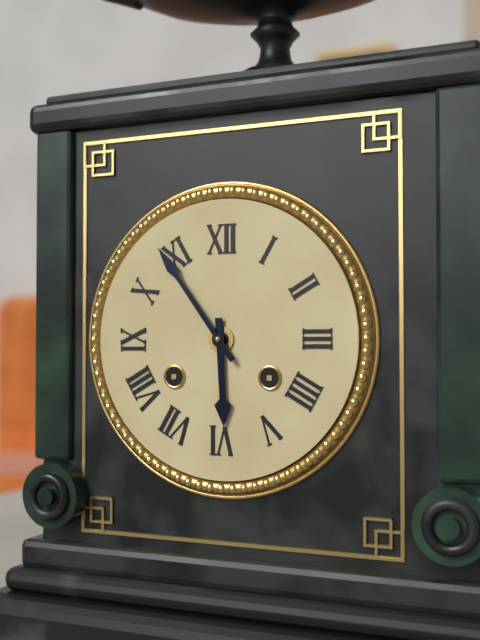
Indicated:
h=5 m=54
